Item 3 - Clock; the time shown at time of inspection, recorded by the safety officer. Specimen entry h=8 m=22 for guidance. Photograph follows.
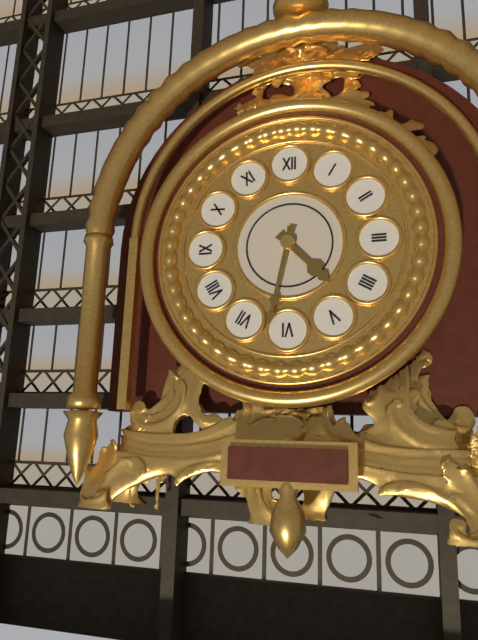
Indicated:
h=4 m=32
